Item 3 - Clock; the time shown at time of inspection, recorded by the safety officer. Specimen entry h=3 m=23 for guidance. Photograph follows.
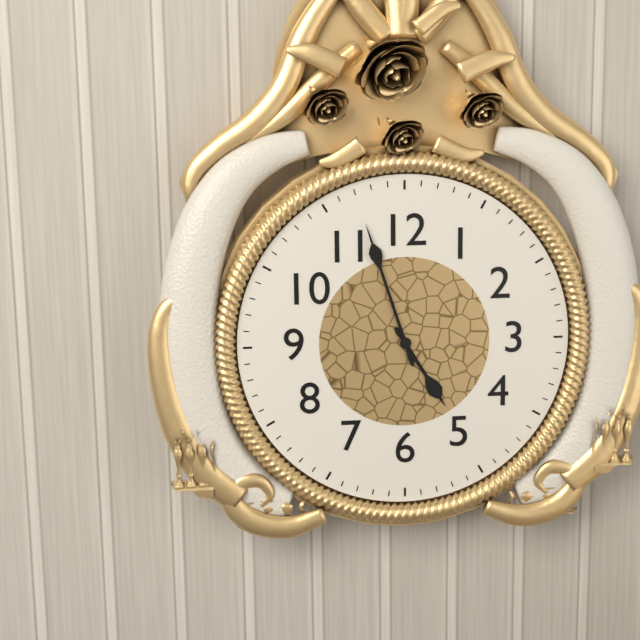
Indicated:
h=4 m=57
